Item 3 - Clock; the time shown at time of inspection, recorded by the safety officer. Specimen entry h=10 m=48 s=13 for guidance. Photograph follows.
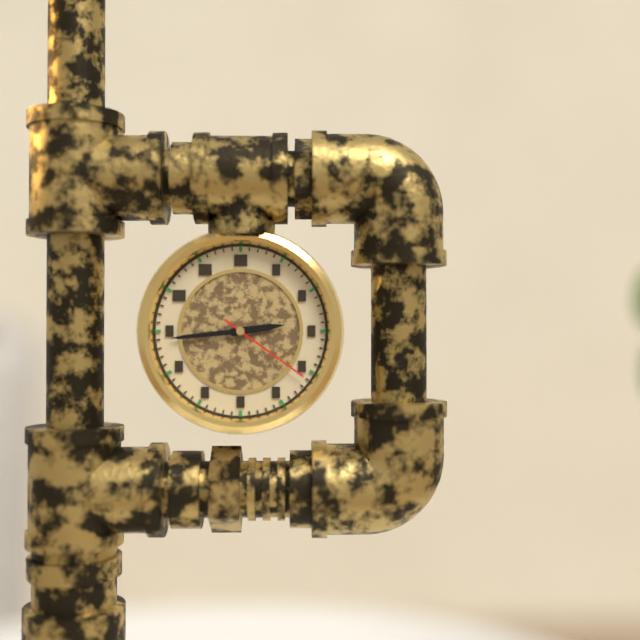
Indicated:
h=2 m=44 s=21
